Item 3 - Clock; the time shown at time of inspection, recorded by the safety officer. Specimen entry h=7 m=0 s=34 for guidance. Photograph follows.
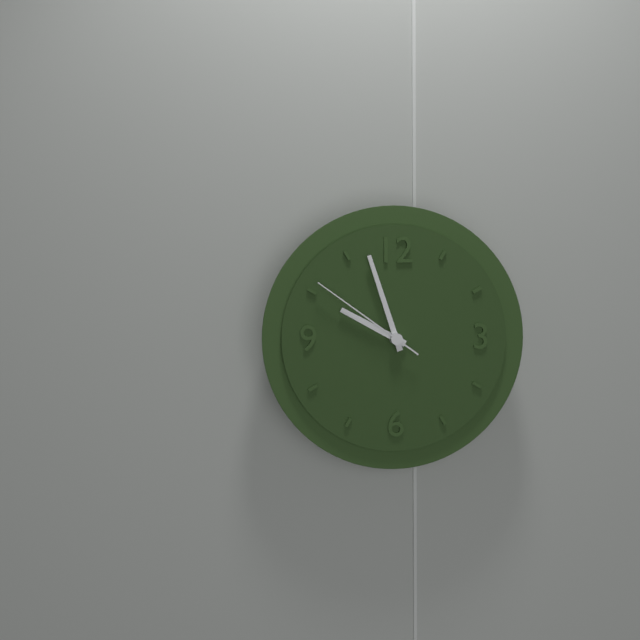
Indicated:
h=9 m=57 s=51
